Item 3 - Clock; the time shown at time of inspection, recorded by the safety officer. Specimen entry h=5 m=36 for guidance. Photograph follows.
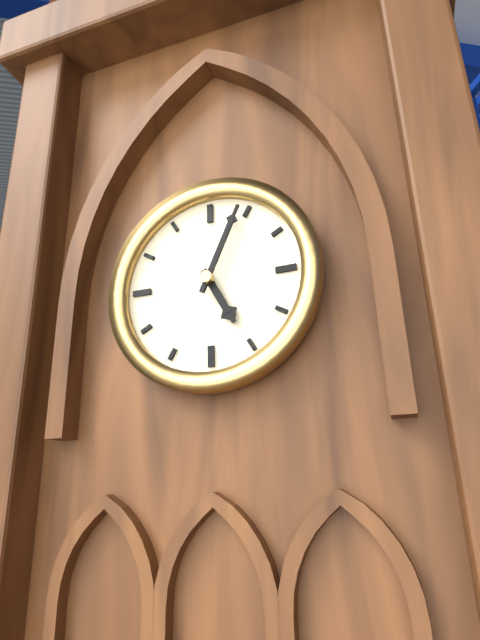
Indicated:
h=5 m=4
